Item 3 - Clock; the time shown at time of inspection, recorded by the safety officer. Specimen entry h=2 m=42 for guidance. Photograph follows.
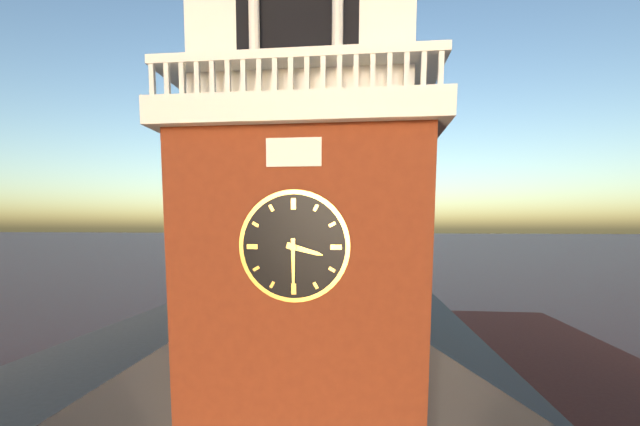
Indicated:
h=3 m=30
